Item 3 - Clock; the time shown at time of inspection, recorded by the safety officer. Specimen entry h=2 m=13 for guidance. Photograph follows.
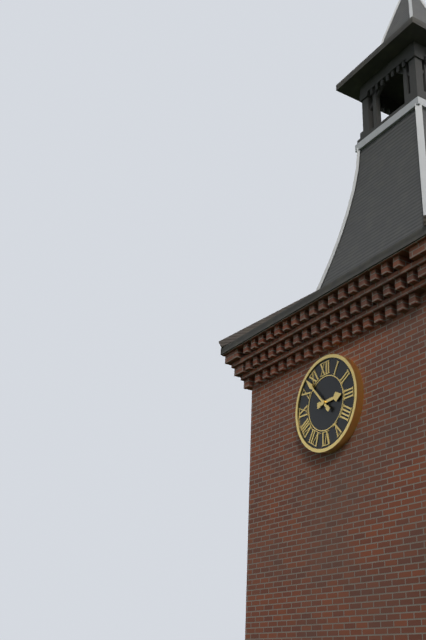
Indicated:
h=2 m=53
